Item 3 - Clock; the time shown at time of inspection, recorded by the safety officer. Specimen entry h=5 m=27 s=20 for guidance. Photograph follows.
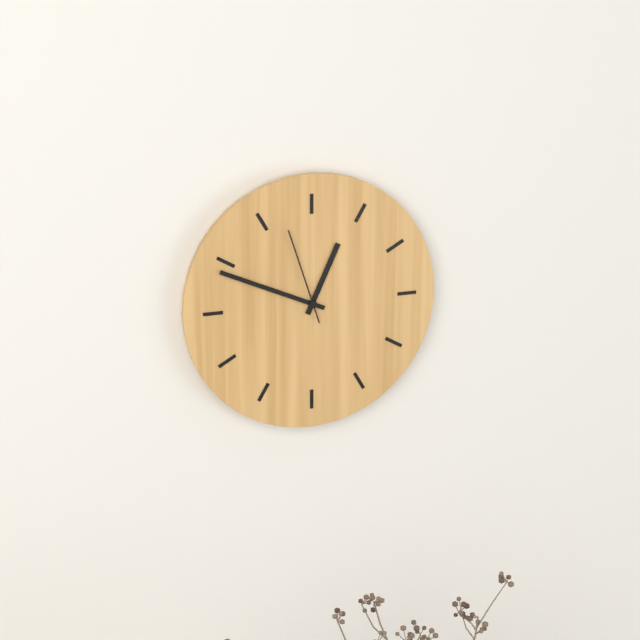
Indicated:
h=12 m=49 s=57
